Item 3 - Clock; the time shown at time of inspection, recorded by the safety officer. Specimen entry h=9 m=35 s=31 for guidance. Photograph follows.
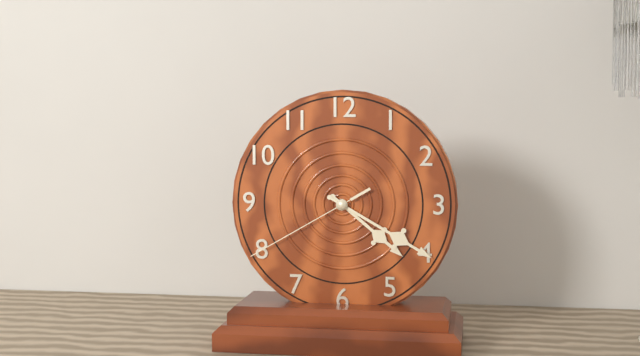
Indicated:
h=4 m=20 s=40
